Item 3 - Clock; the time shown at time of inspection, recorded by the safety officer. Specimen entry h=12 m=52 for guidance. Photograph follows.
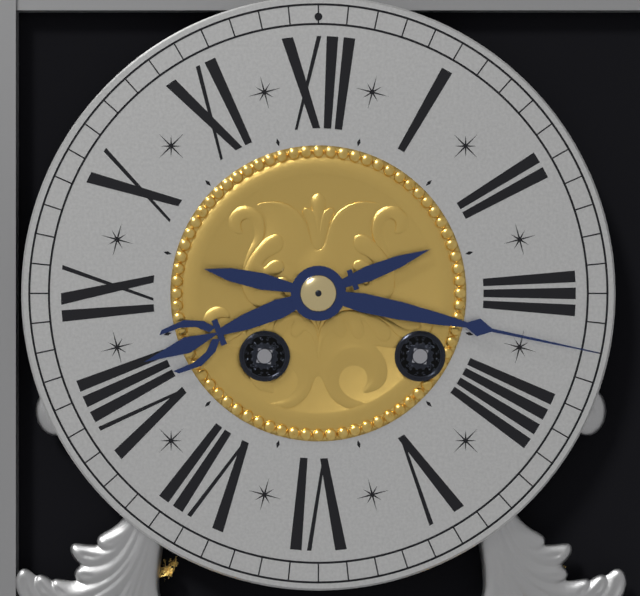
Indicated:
h=8 m=17
